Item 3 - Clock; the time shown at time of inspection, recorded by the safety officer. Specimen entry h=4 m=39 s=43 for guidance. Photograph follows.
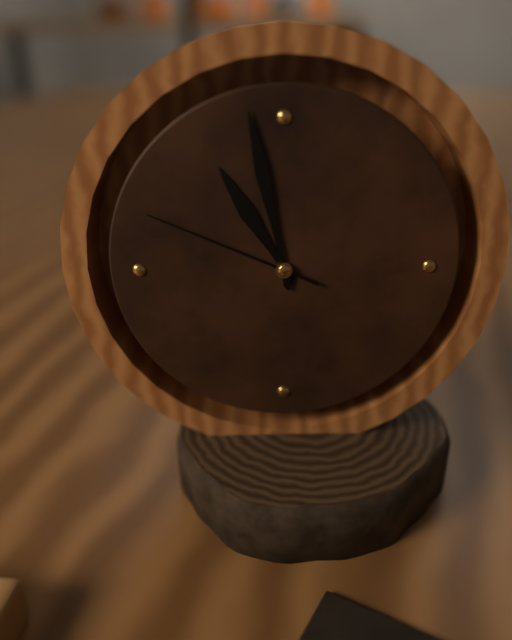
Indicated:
h=10 m=58 s=49
